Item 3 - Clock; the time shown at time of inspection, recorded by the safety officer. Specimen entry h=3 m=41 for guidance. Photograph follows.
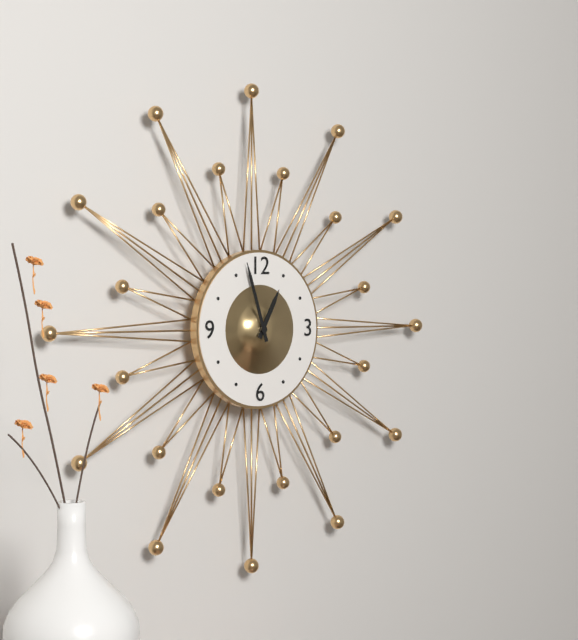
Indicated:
h=12 m=57
